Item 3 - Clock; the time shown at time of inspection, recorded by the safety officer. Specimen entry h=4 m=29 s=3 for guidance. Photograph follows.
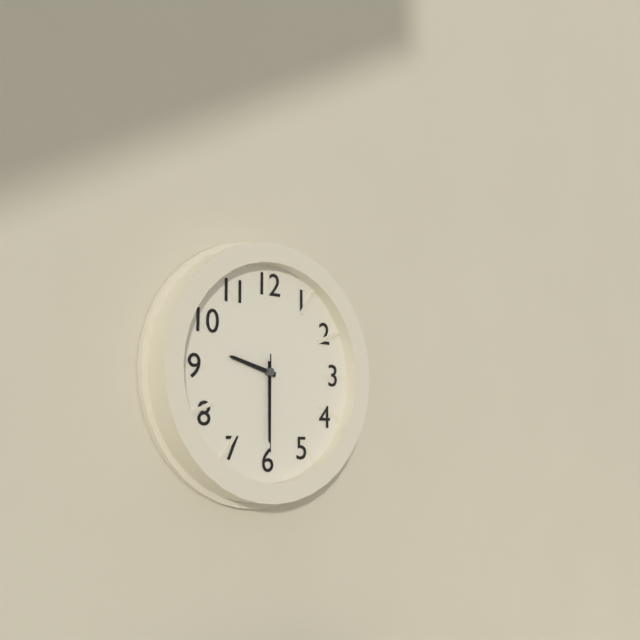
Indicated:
h=9 m=30 s=30
